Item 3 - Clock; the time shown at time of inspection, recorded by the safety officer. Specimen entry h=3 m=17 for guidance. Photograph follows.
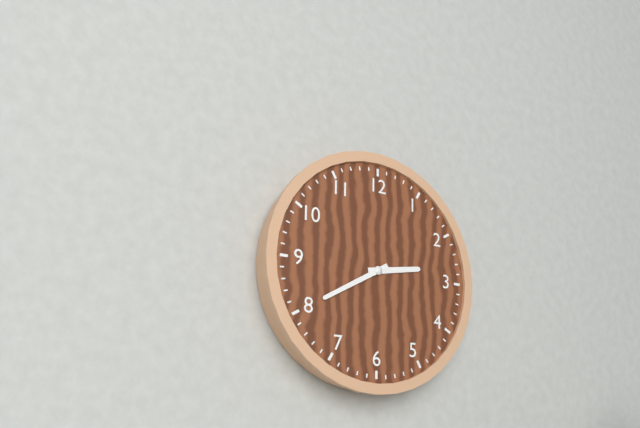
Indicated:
h=2 m=40
